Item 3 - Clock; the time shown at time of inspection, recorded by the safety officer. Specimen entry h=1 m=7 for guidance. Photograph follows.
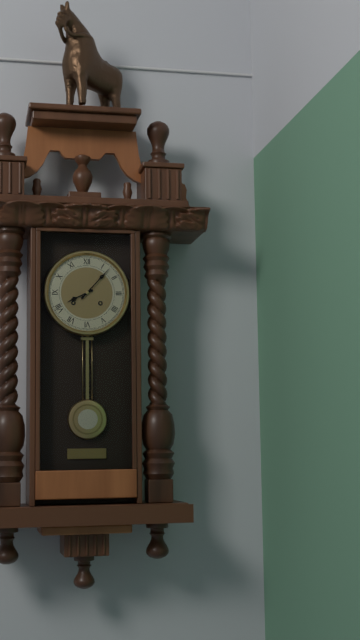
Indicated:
h=8 m=7
